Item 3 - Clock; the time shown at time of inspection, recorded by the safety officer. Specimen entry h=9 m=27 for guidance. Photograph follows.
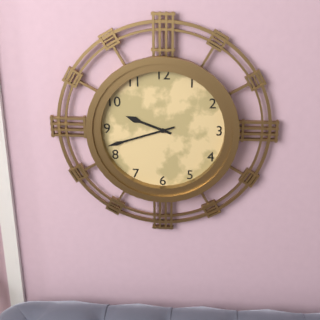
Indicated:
h=9 m=42
